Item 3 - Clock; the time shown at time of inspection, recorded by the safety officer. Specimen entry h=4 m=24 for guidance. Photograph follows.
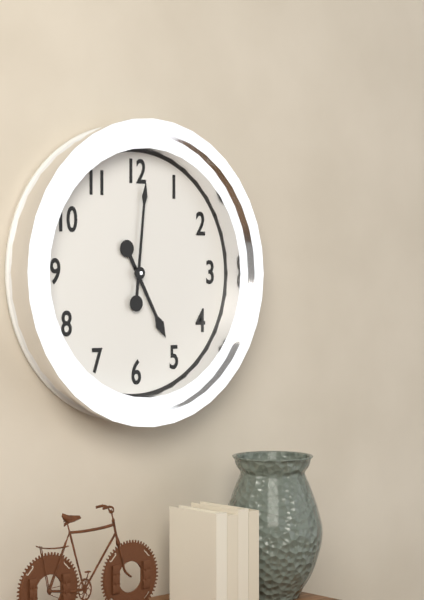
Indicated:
h=5 m=1
